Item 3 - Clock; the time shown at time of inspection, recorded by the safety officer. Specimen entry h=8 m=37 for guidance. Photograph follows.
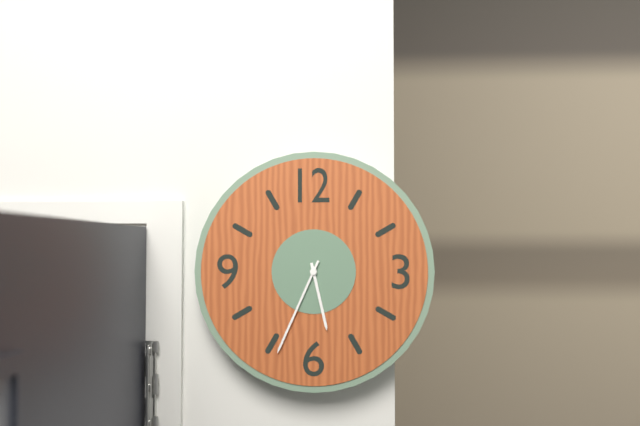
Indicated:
h=5 m=34
